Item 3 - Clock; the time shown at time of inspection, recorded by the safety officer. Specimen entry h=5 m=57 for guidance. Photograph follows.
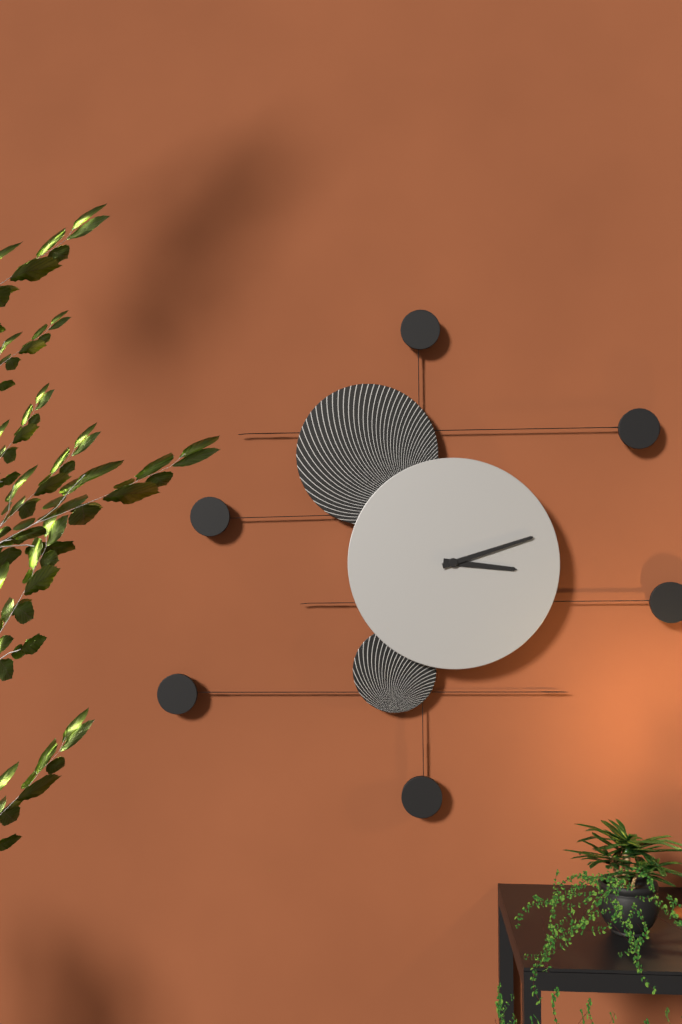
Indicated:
h=3 m=12
